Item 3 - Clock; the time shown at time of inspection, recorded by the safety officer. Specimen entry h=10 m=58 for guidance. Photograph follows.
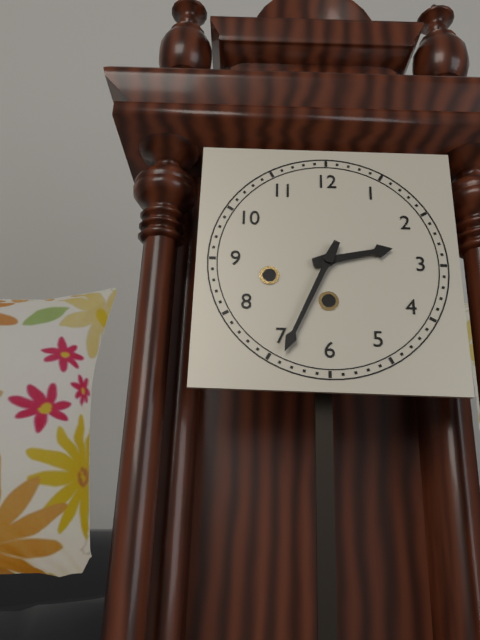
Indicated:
h=2 m=34
